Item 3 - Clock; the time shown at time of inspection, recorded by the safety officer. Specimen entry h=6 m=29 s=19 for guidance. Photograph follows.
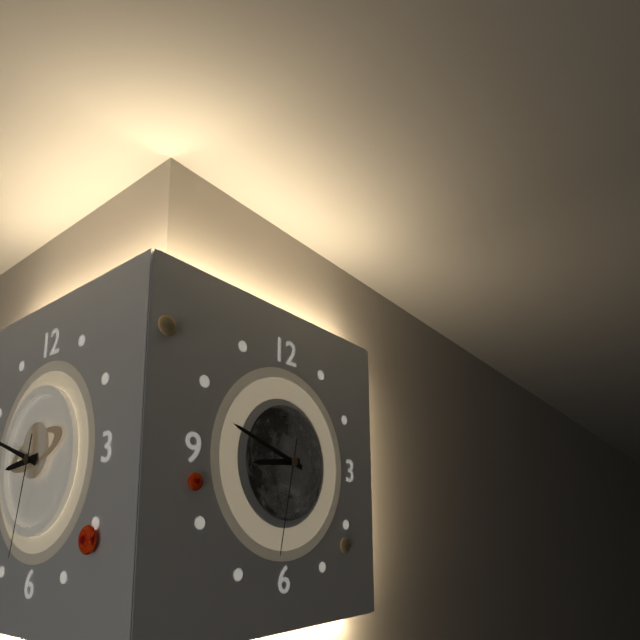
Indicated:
h=8 m=48 s=32
